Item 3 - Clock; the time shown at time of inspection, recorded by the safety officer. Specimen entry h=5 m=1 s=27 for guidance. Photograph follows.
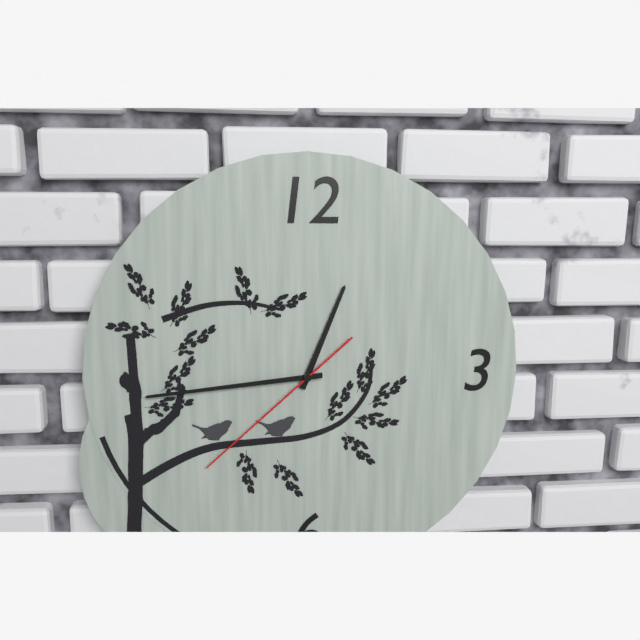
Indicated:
h=12 m=44 s=38
